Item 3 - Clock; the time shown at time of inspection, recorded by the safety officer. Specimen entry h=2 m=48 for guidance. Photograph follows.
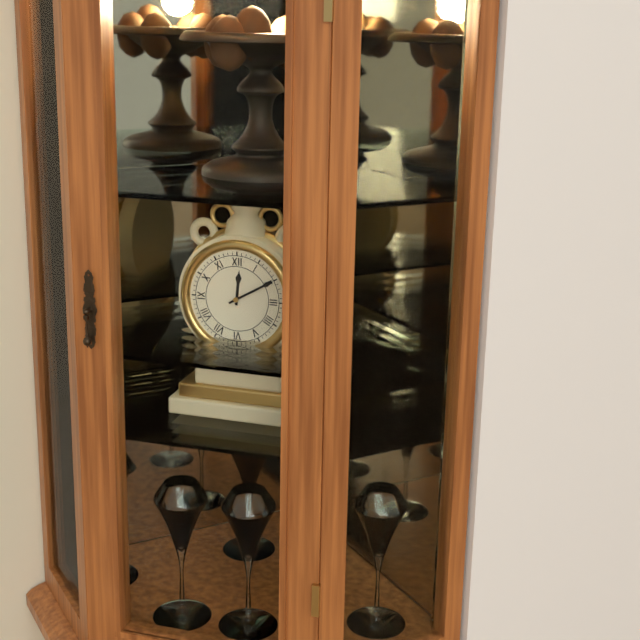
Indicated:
h=12 m=10
